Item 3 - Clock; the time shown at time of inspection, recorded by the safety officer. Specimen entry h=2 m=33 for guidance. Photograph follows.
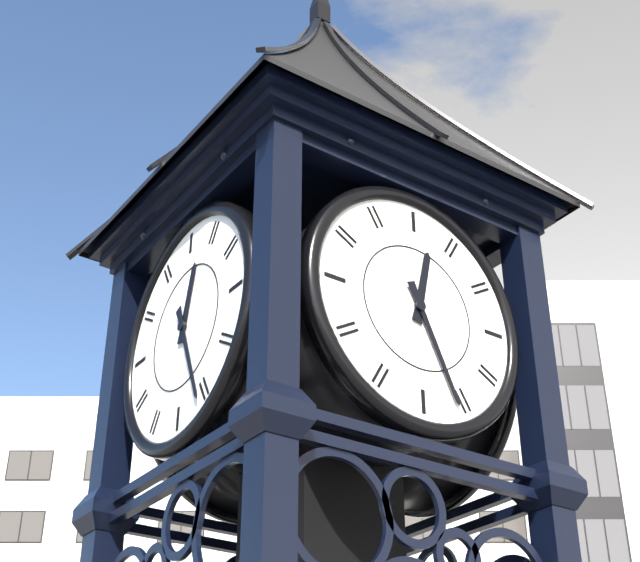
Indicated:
h=12 m=26
